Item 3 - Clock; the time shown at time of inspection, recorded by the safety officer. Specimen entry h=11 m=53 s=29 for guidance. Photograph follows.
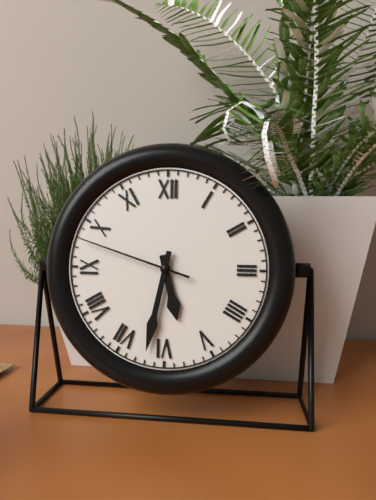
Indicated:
h=5 m=32 s=48
